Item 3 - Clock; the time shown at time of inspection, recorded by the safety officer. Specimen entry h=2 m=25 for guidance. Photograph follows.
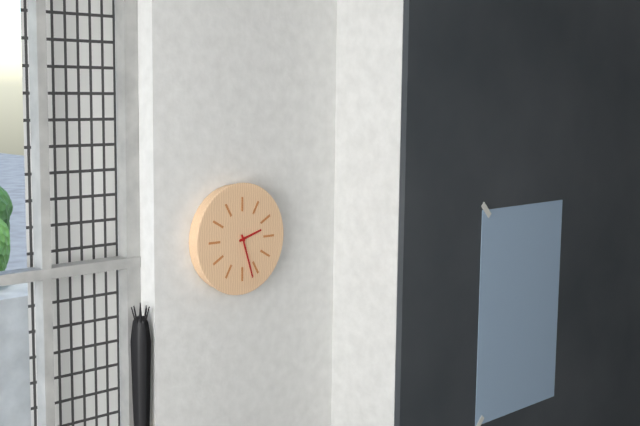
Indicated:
h=2 m=27
